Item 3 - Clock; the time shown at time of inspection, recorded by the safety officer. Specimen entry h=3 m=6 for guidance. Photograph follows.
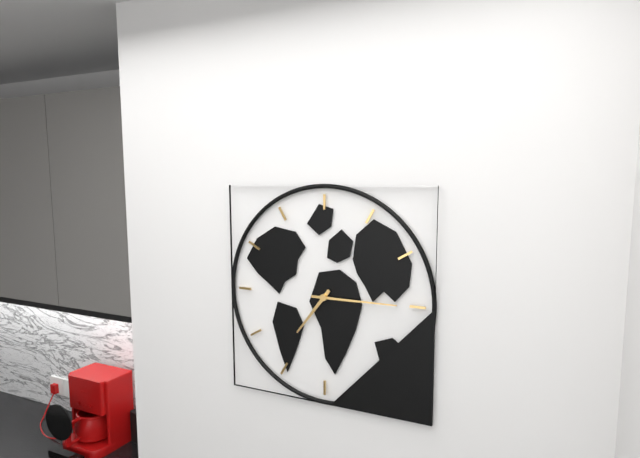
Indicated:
h=7 m=15
